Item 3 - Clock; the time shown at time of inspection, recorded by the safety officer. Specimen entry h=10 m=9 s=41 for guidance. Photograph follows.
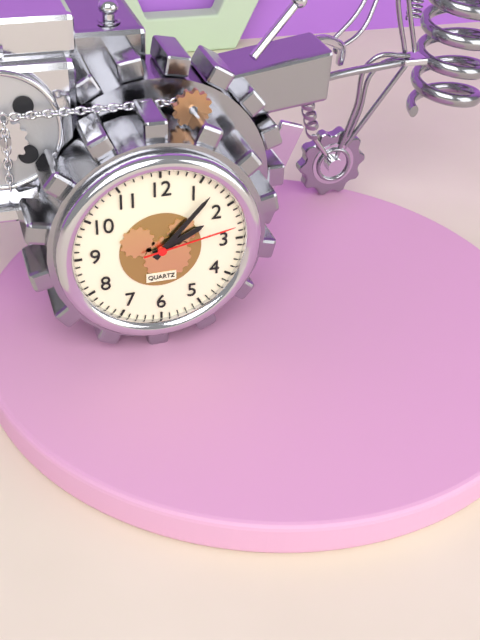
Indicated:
h=2 m=7 s=13
